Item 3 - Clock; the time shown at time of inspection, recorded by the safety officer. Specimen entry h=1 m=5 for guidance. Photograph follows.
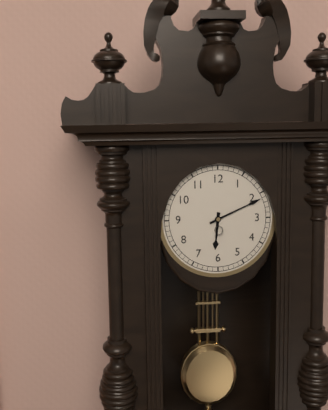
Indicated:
h=6 m=11
